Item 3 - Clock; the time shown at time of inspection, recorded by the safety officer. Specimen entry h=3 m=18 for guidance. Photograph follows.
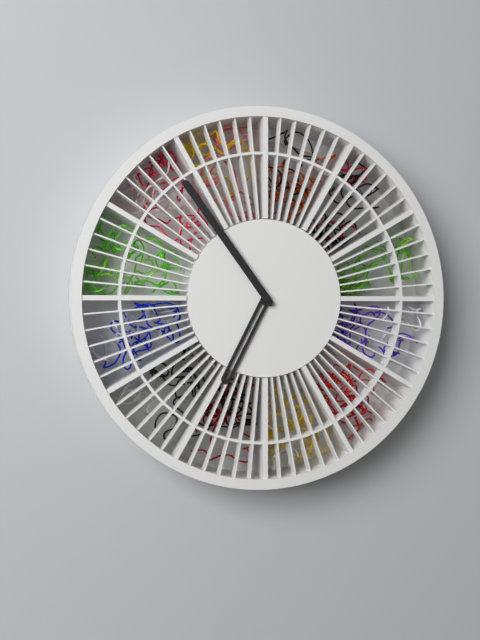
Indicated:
h=6 m=54
